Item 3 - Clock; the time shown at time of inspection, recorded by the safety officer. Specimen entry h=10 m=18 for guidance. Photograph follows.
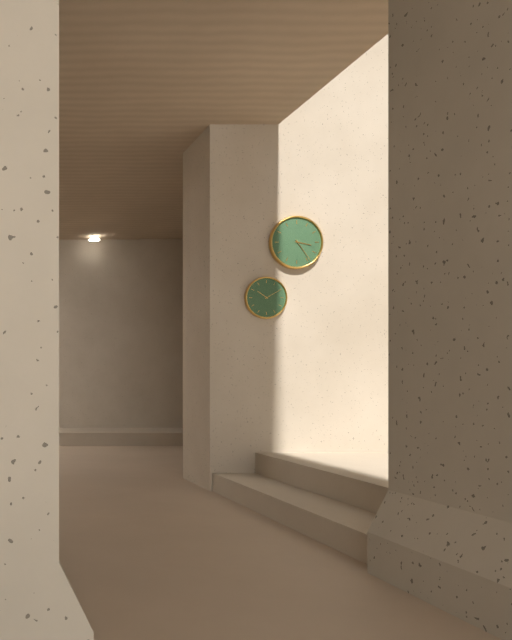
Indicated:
h=3 m=24
